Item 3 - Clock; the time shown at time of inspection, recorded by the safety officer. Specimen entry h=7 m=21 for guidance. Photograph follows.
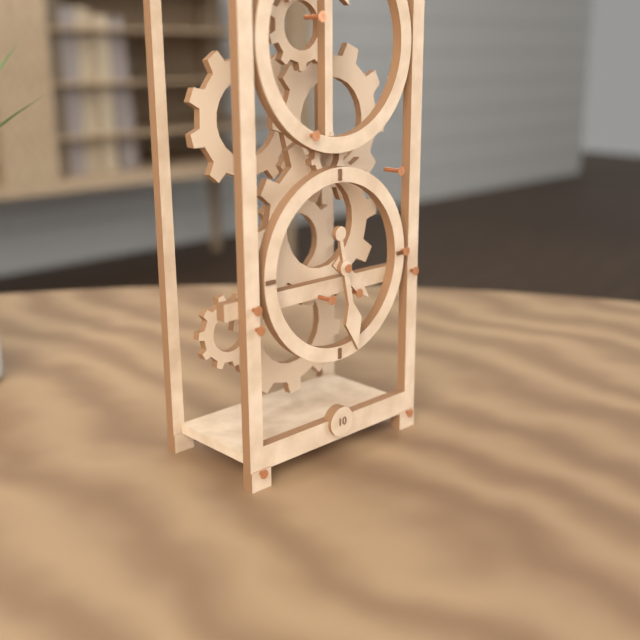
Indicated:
h=4 m=28
